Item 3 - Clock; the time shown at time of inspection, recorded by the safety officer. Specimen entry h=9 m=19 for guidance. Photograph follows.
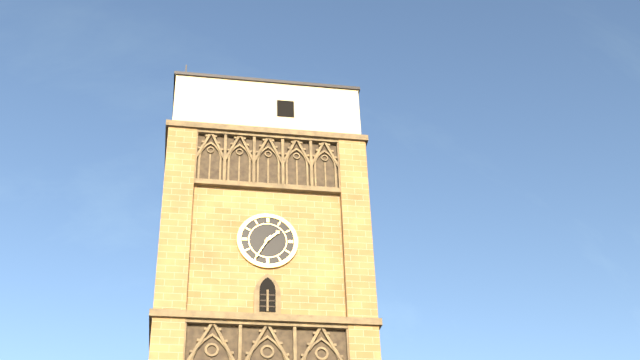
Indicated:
h=1 m=35
